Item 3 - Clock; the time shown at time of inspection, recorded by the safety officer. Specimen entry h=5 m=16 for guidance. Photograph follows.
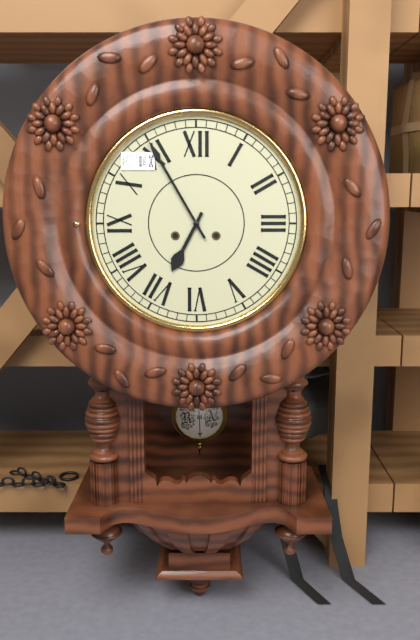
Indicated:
h=6 m=55
